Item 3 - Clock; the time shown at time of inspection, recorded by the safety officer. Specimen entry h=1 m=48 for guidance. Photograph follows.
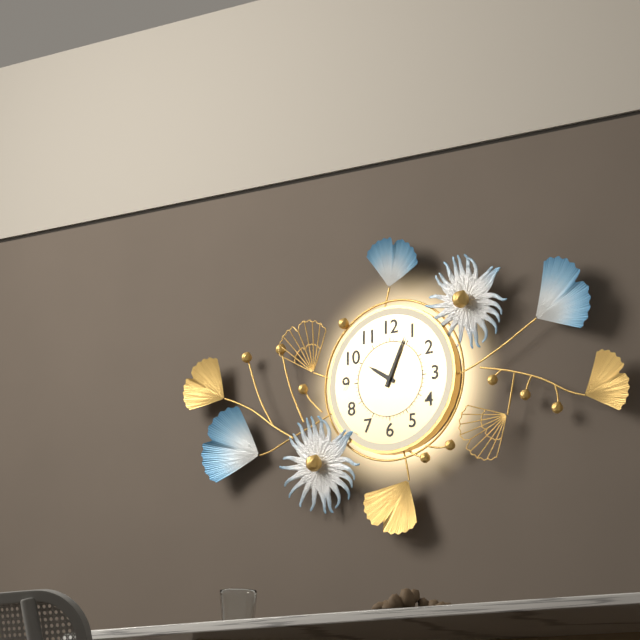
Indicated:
h=10 m=4
